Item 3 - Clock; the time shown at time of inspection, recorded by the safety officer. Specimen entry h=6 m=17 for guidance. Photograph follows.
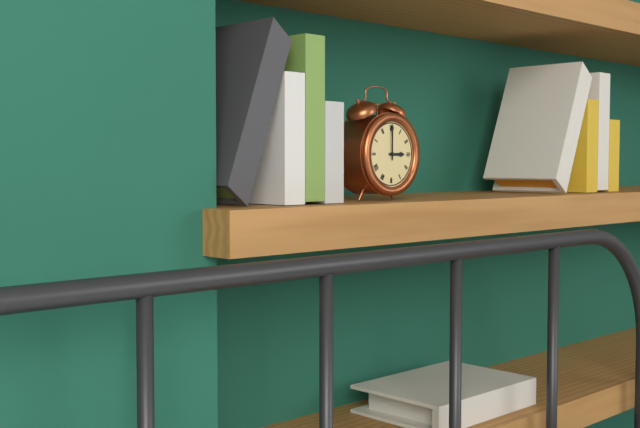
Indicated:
h=3 m=0
